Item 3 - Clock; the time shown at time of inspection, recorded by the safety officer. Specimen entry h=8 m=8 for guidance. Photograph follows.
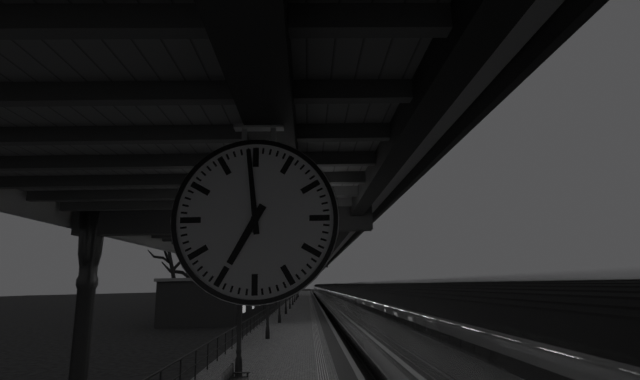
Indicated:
h=6 m=59
